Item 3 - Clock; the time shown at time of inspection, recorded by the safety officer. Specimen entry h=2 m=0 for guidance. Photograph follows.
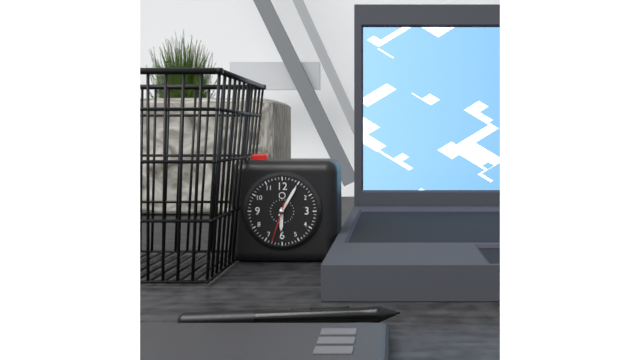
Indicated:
h=6 m=5
